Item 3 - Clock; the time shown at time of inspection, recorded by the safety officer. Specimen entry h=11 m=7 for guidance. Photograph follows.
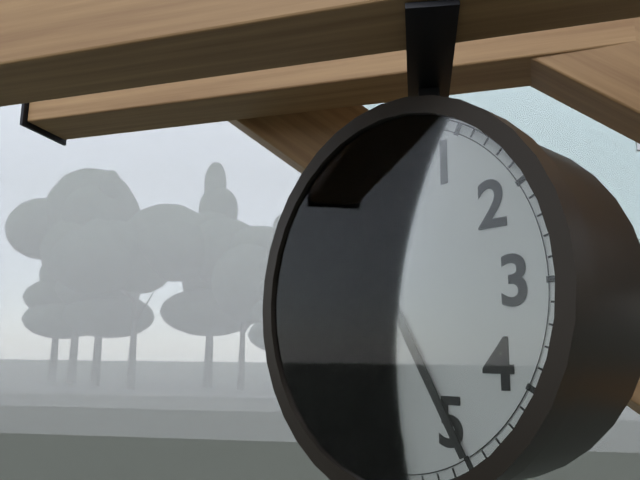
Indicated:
h=6 m=25
